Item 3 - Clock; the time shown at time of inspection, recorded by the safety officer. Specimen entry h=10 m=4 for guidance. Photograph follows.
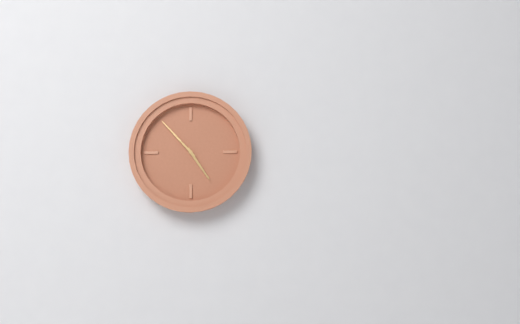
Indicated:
h=4 m=53
